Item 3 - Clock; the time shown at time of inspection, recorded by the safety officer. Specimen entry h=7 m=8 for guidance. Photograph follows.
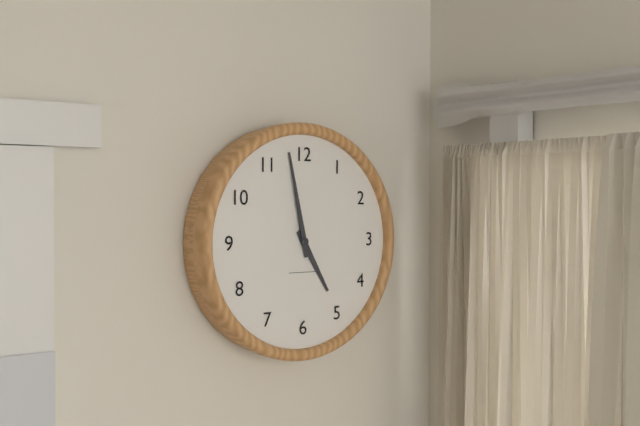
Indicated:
h=4 m=58
